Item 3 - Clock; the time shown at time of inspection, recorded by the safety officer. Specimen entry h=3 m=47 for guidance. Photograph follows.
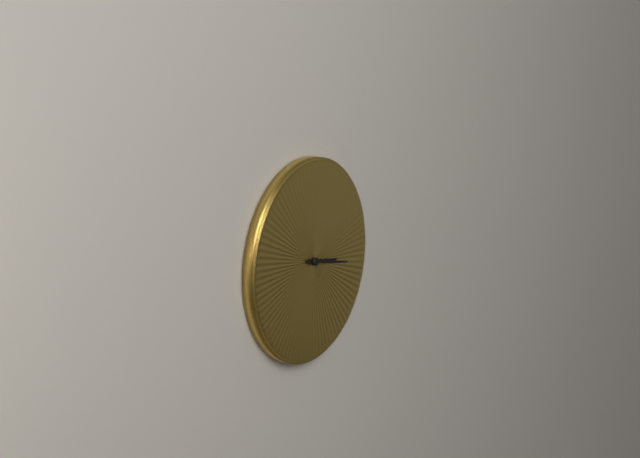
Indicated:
h=3 m=17
